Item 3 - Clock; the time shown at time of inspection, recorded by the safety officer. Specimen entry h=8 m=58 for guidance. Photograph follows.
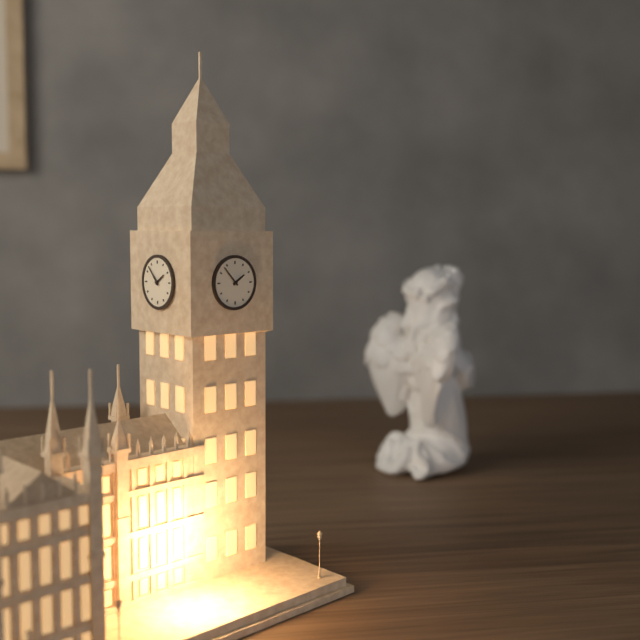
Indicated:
h=1 m=53
